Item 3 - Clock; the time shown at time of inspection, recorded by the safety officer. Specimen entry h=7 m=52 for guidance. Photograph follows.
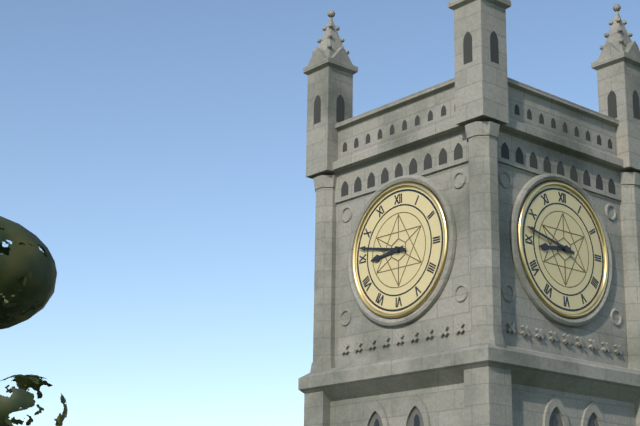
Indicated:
h=8 m=47
